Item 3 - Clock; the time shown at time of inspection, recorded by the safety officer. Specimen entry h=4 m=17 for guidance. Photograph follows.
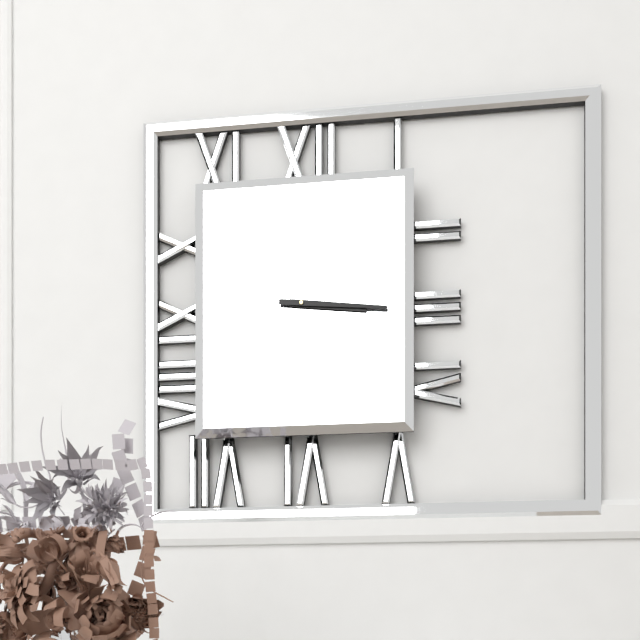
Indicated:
h=3 m=16
